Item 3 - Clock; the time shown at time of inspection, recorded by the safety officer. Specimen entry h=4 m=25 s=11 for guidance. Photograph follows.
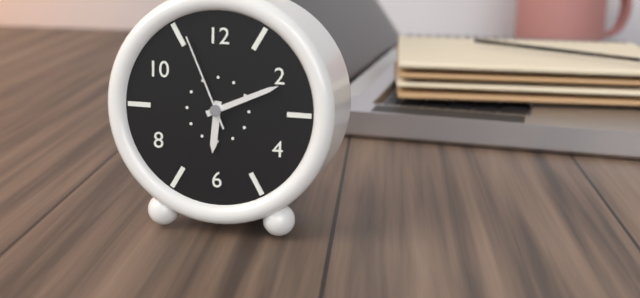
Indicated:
h=6 m=11 s=56
